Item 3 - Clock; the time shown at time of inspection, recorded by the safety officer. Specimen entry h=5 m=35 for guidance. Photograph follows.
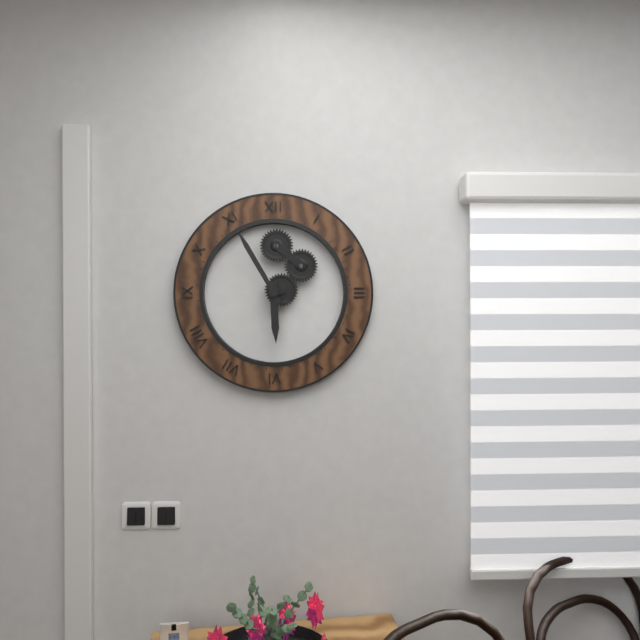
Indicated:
h=5 m=55
